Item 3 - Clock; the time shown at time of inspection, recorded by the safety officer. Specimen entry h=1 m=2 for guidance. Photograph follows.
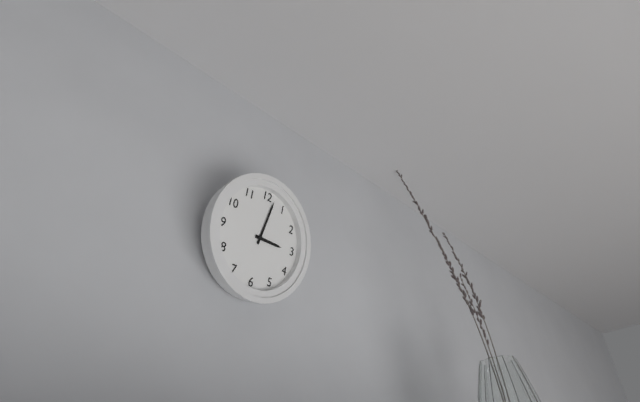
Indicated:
h=3 m=2
